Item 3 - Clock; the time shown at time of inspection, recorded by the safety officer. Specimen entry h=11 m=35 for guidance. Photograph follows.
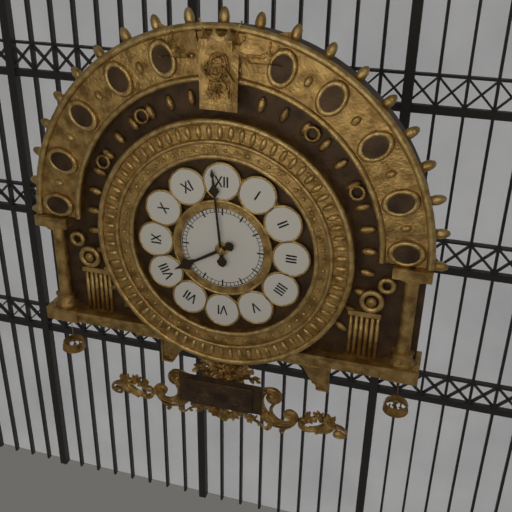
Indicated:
h=7 m=59
